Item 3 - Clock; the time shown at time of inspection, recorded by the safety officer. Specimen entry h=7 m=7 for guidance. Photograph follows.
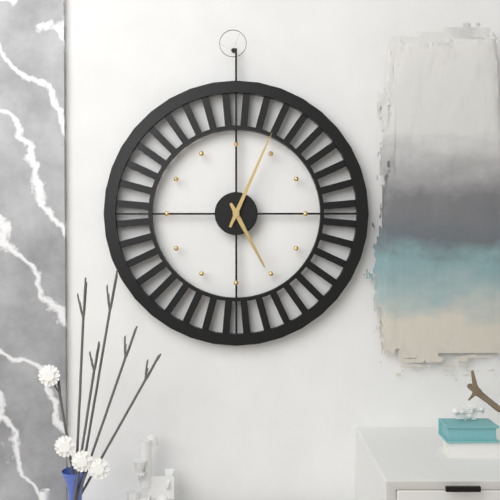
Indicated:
h=5 m=4
